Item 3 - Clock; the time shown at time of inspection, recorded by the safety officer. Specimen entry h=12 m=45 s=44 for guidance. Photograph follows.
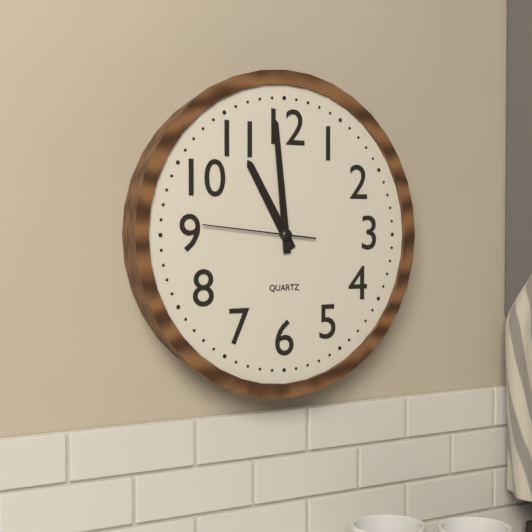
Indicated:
h=10 m=59 s=46
